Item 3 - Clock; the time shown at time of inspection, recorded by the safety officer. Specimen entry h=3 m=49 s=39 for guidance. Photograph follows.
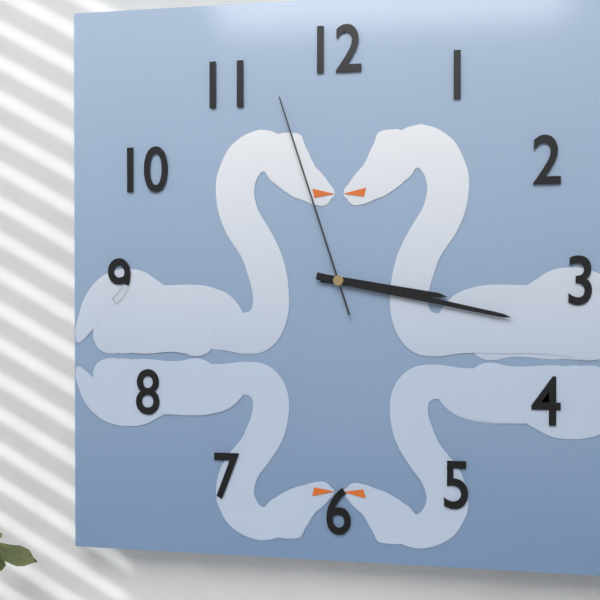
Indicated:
h=3 m=17 s=57
